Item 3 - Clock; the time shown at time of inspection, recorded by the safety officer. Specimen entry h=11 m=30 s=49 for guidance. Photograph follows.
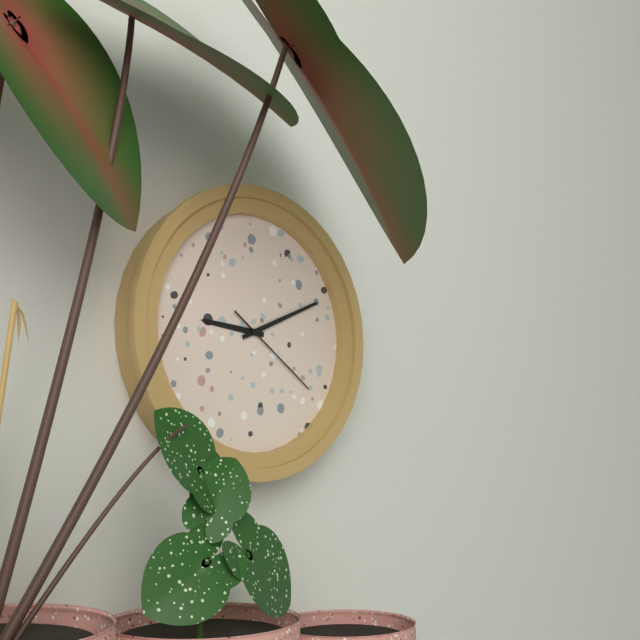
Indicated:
h=9 m=11 s=21
